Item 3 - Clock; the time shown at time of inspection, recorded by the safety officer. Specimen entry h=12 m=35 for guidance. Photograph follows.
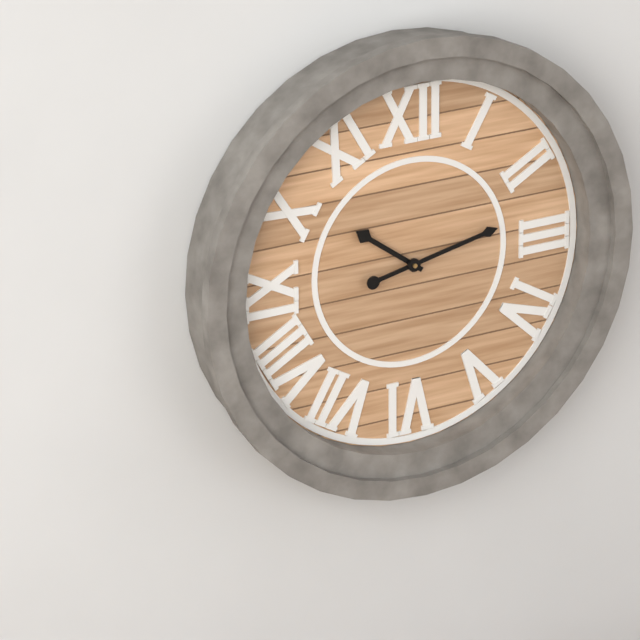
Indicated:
h=10 m=13
